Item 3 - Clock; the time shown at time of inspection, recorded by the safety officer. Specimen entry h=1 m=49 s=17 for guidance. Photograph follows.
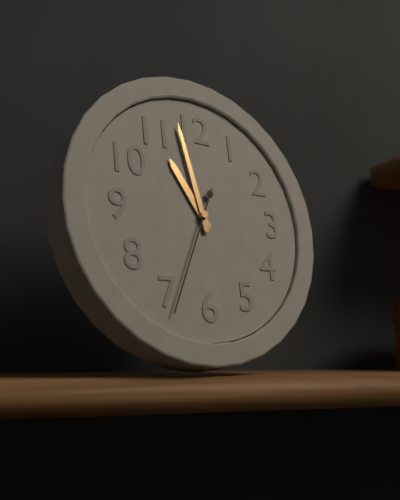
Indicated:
h=10 m=58 s=34
